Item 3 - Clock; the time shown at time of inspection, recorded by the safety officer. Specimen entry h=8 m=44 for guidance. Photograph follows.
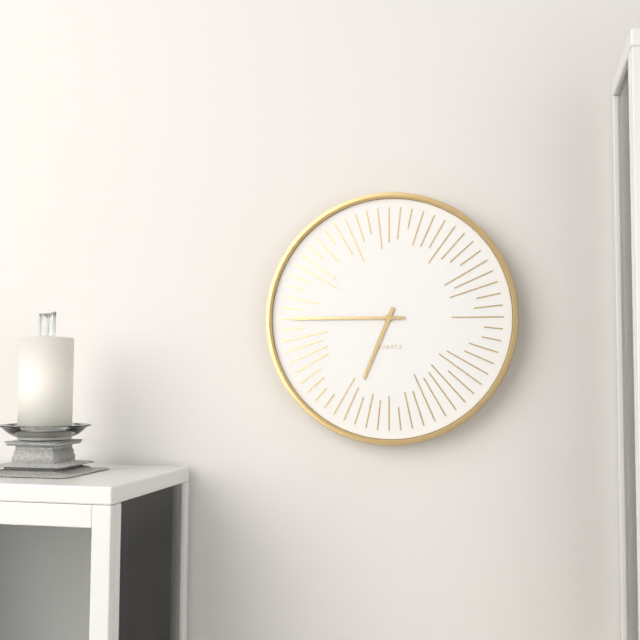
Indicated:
h=6 m=45
